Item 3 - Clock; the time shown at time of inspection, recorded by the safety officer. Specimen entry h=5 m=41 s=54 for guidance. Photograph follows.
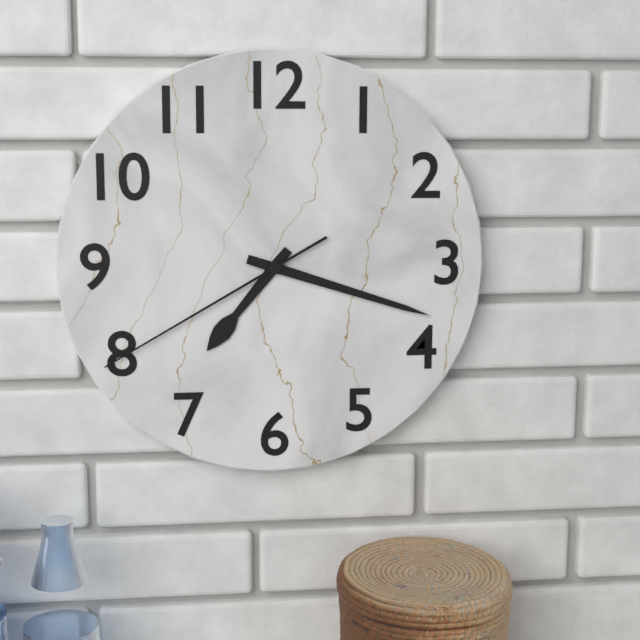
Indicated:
h=7 m=18 s=40
